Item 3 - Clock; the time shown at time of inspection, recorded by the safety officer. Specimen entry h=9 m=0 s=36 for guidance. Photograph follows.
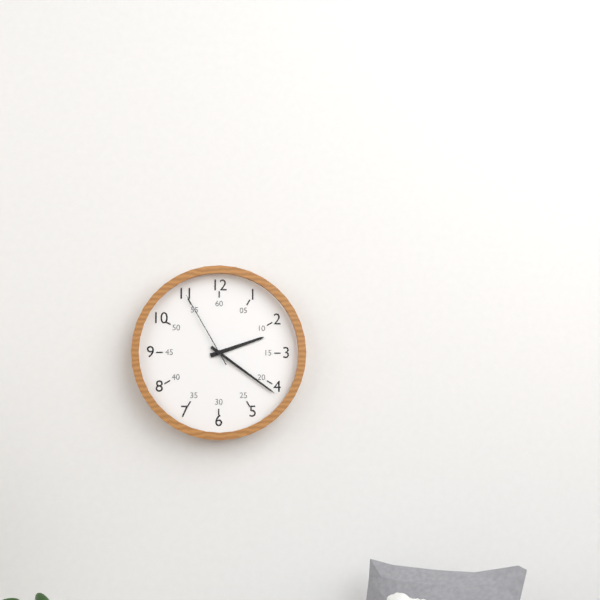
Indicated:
h=2 m=21 s=55
